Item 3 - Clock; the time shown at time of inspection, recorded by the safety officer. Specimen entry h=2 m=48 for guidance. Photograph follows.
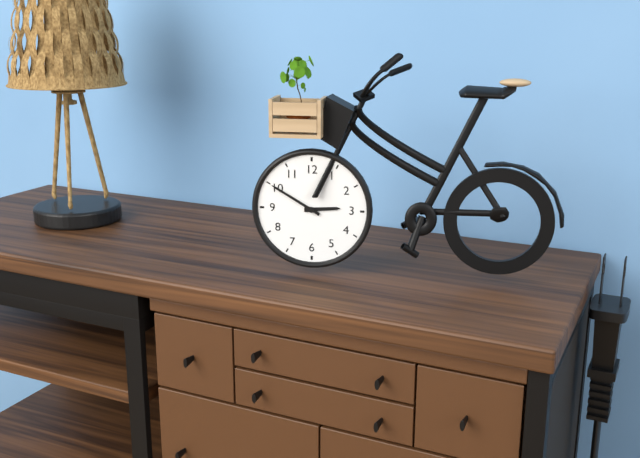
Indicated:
h=2 m=50
